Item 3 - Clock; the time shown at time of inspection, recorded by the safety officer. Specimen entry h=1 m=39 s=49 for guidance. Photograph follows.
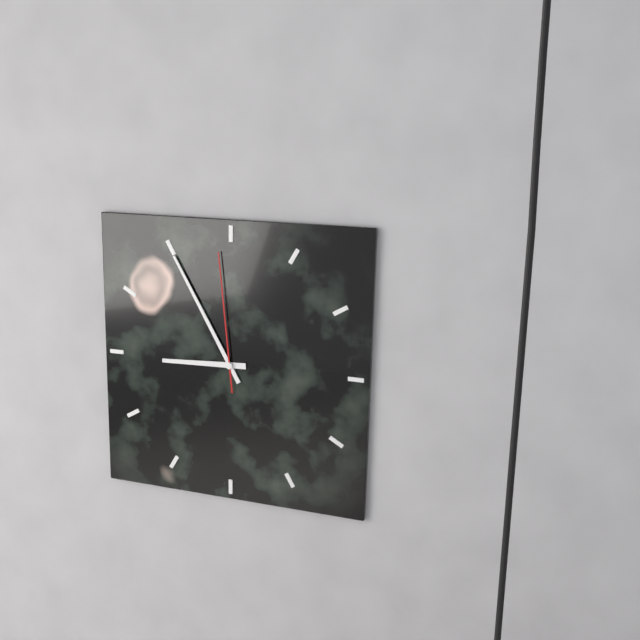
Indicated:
h=8 m=55 s=59
